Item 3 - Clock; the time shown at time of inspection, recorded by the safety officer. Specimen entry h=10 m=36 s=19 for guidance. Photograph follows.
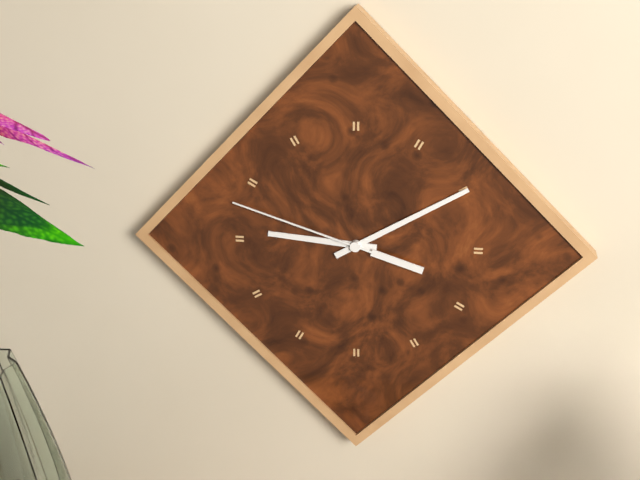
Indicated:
h=9 m=10 s=48
